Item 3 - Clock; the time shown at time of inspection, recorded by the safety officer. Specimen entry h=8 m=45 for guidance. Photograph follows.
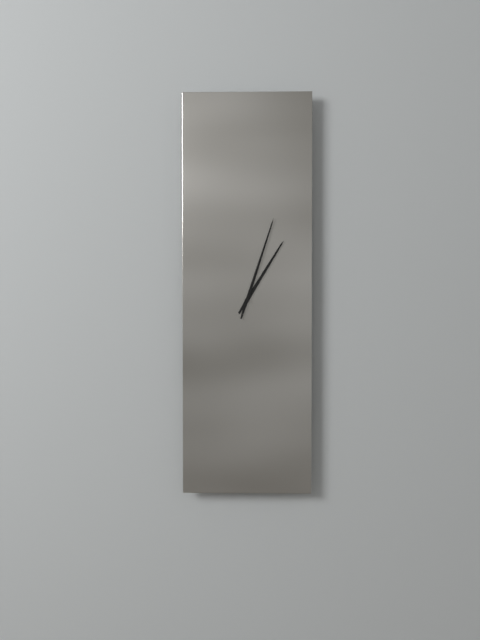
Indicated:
h=1 m=3
